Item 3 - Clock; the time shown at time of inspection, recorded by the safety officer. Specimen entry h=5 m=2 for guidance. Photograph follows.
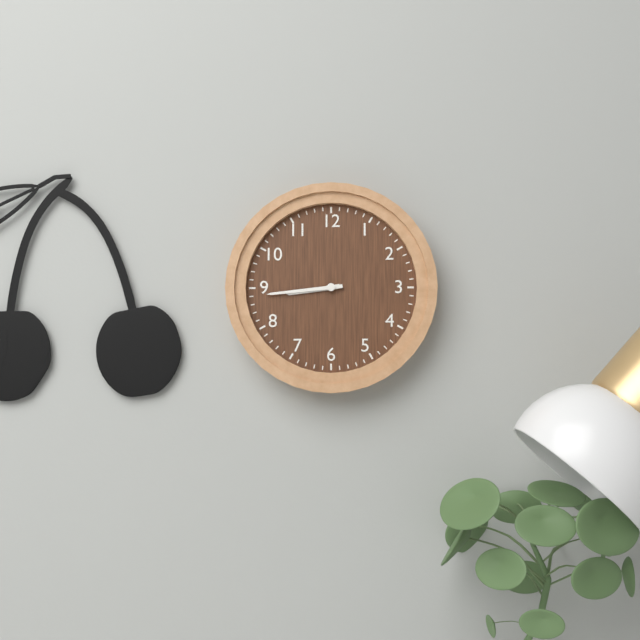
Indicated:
h=8 m=44
